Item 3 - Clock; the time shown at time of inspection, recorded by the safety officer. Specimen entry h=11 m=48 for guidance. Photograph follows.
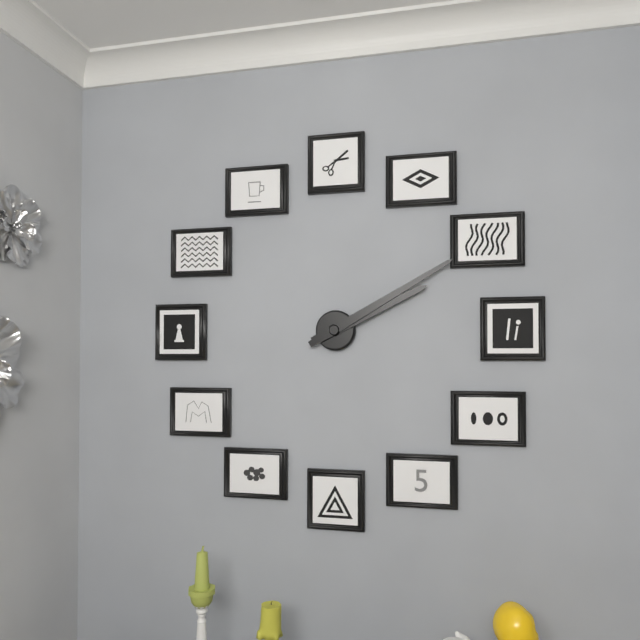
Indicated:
h=2 m=10
